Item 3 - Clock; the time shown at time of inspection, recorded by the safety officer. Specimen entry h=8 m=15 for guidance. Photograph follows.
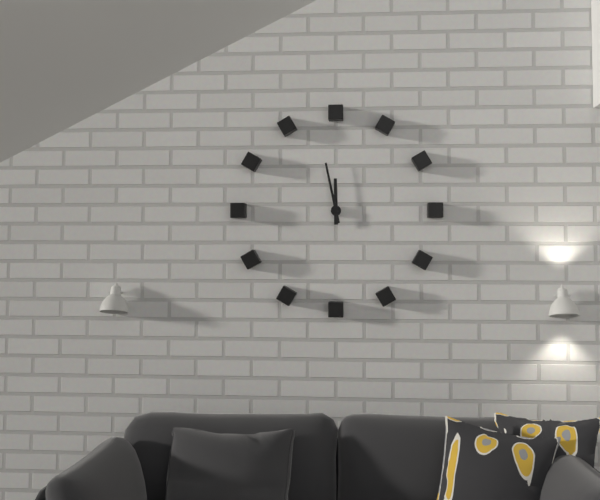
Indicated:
h=11 m=58
